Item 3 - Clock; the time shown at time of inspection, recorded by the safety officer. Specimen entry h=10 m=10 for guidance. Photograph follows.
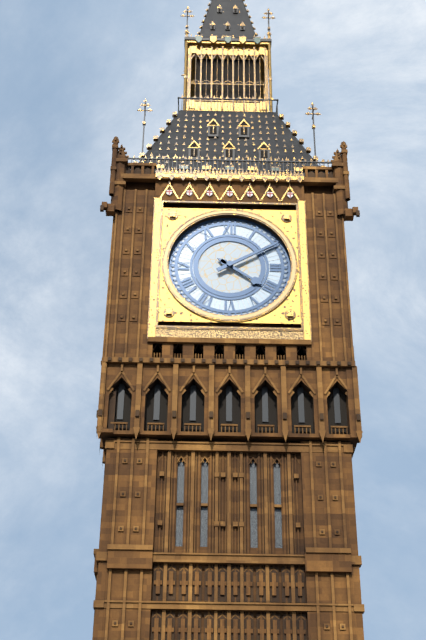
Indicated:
h=4 m=10
